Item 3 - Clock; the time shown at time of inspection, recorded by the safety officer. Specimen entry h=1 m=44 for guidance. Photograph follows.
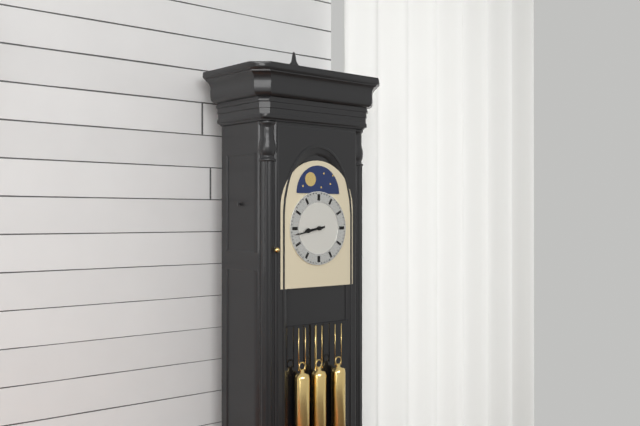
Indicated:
h=8 m=43
